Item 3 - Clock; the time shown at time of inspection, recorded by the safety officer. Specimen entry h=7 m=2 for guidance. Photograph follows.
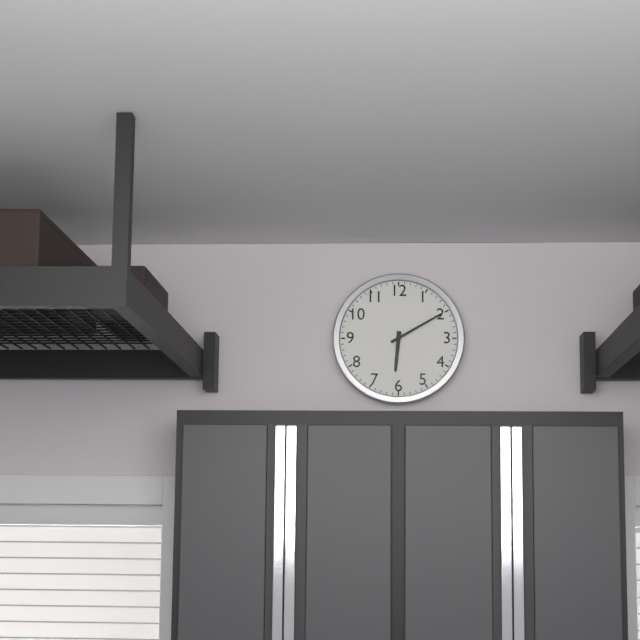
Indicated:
h=6 m=10
